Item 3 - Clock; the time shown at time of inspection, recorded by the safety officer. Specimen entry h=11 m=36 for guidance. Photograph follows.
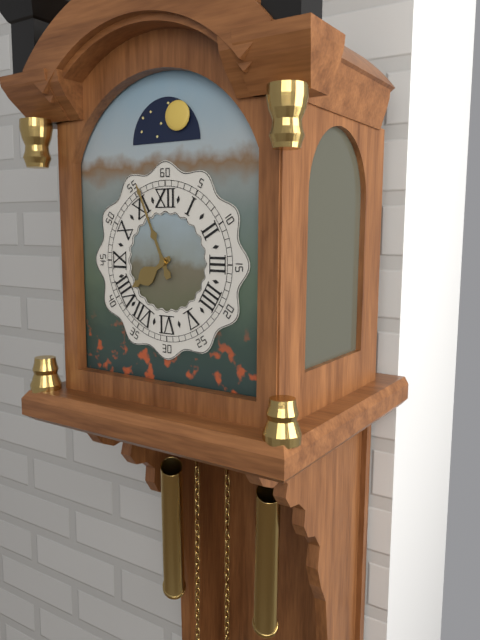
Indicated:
h=7 m=56
